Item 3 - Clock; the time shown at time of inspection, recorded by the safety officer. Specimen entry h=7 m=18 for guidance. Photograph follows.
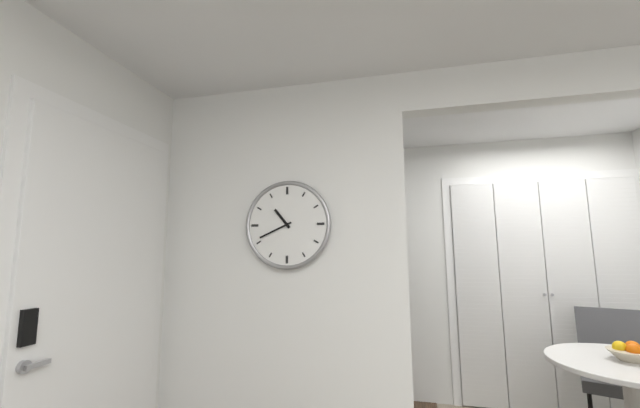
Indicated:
h=10 m=41
